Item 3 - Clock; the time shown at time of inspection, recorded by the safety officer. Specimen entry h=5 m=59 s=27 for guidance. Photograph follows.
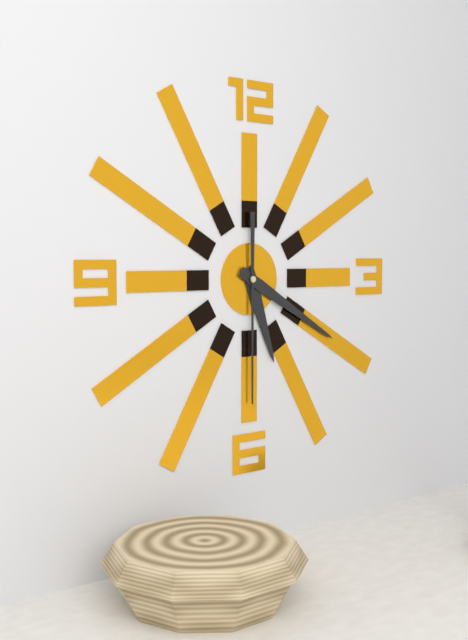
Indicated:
h=5 m=20 s=30
